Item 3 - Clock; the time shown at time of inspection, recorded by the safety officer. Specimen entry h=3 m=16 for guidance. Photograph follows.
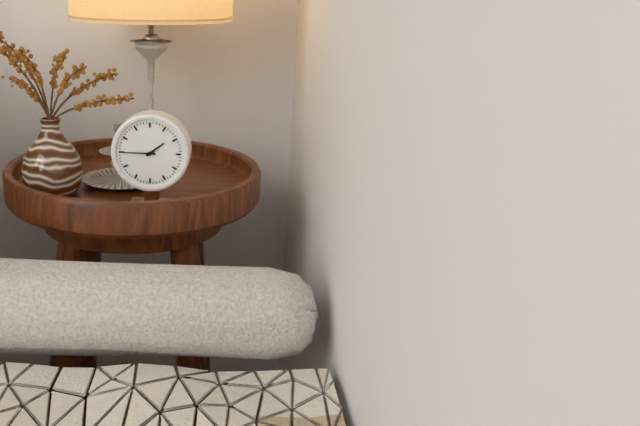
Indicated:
h=1 m=45
